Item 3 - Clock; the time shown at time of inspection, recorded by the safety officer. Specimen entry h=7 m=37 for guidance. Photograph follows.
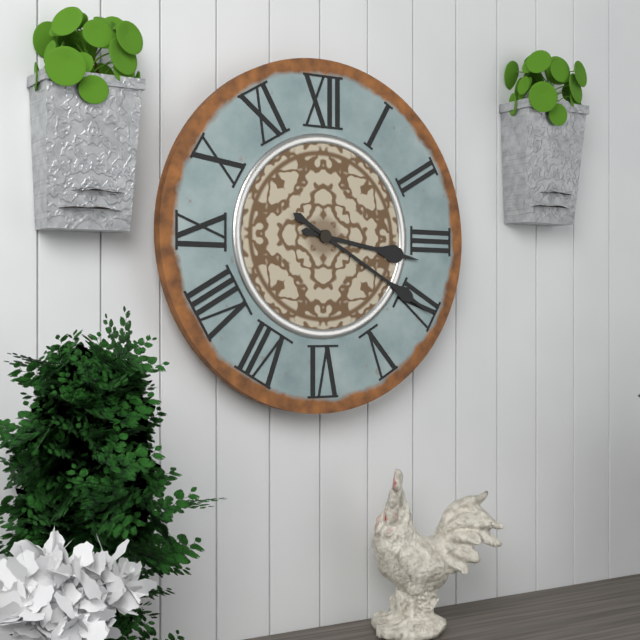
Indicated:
h=3 m=20
